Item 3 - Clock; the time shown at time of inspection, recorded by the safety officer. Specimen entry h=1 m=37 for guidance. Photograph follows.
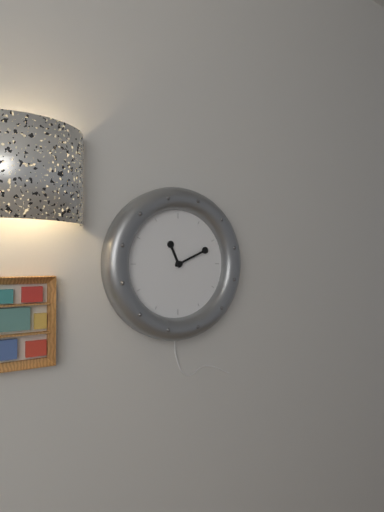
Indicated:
h=11 m=11
